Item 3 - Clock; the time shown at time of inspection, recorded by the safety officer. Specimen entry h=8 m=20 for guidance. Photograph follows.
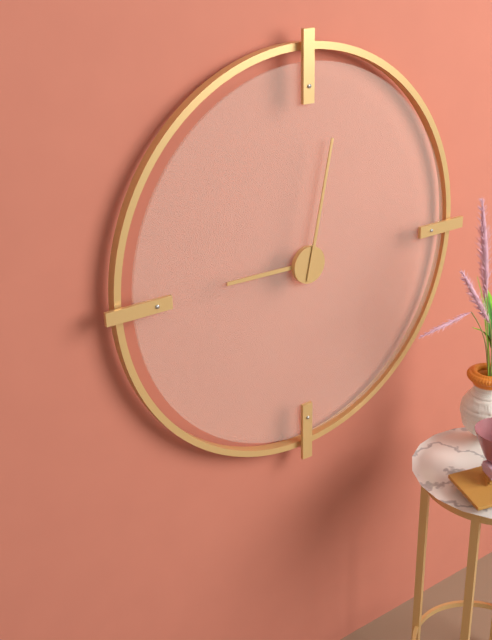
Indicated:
h=9 m=2
